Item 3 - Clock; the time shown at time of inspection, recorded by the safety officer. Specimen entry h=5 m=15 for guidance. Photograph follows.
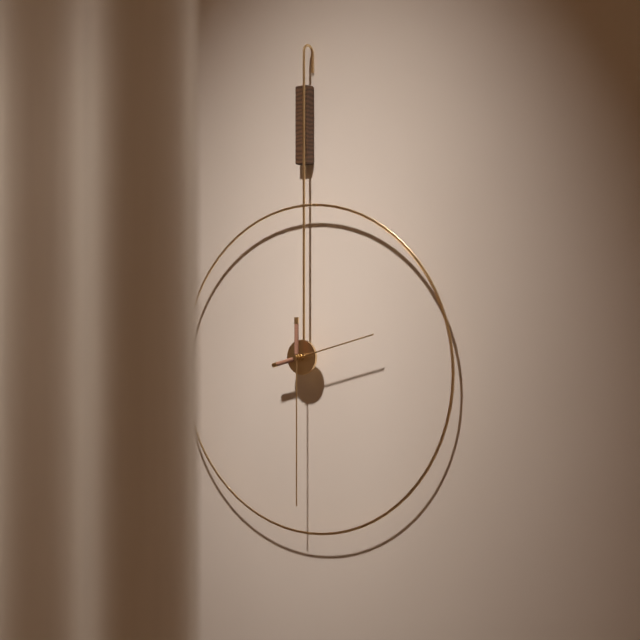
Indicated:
h=2 m=30
